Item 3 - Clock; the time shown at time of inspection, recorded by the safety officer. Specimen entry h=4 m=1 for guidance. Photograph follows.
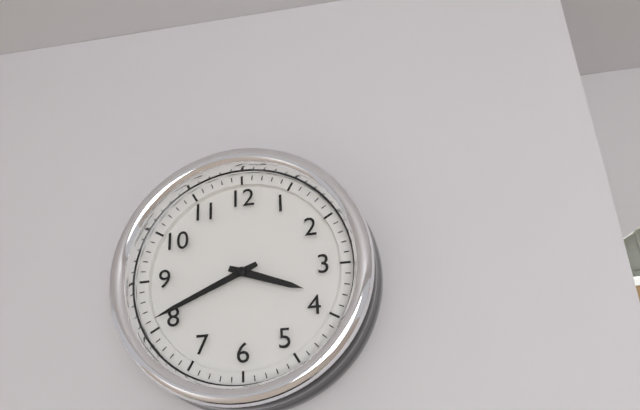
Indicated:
h=3 m=41
